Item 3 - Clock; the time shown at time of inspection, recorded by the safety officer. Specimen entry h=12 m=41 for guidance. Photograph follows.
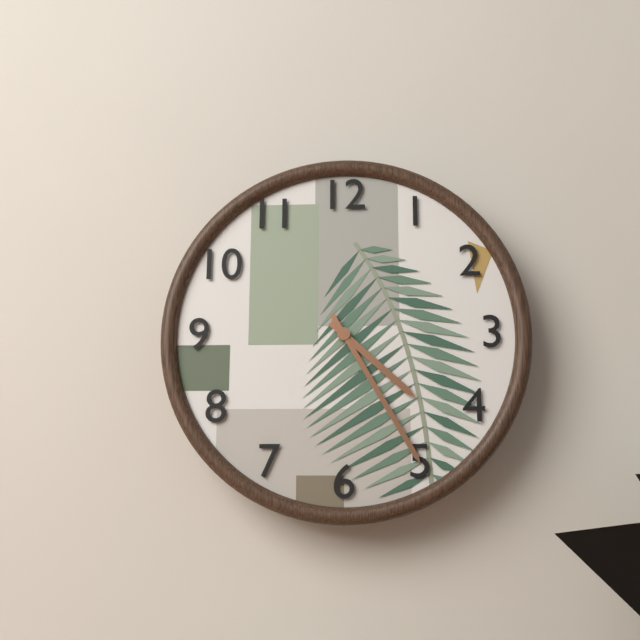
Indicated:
h=4 m=25
